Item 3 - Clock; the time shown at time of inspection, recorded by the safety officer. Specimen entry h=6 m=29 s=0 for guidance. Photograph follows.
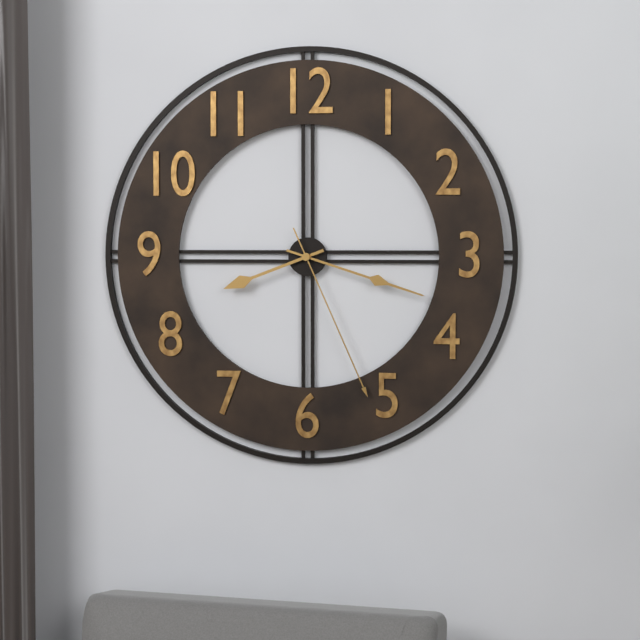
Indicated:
h=8 m=18 s=26
